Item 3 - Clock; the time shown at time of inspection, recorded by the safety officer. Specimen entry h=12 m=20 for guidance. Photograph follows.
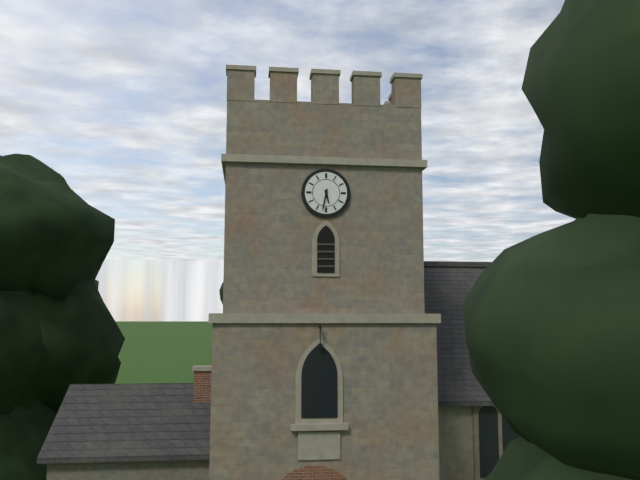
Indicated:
h=5 m=32
